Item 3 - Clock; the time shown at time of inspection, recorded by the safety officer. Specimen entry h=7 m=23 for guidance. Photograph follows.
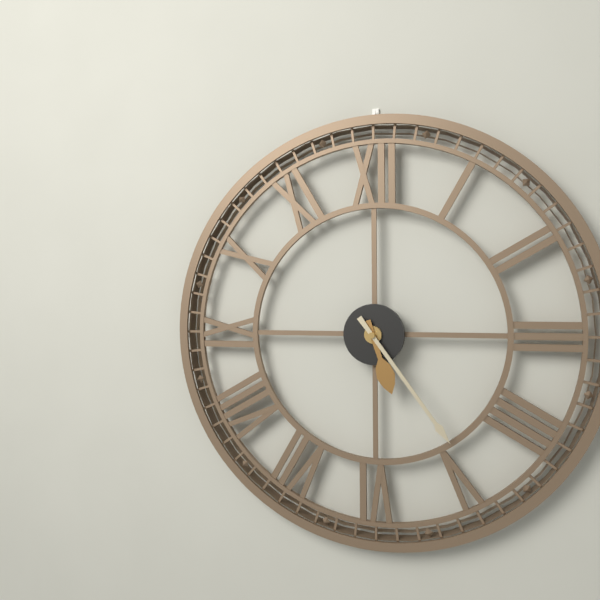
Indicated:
h=5 m=24
